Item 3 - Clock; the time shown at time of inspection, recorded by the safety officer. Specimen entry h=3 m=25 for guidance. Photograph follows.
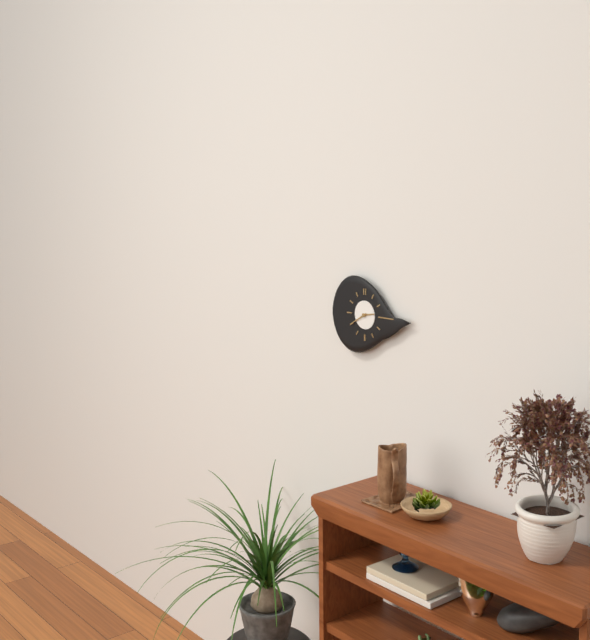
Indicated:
h=2 m=40
